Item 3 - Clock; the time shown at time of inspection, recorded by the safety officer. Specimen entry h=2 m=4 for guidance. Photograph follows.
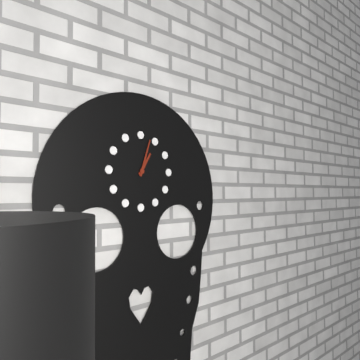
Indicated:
h=1 m=3
